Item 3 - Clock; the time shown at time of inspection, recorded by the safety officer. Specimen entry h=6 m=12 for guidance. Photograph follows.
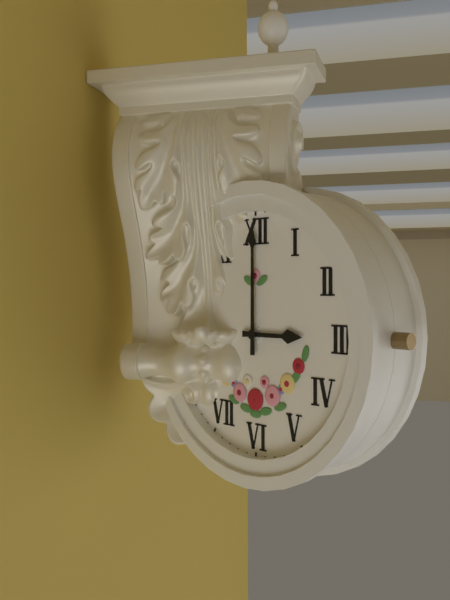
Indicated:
h=3 m=0
